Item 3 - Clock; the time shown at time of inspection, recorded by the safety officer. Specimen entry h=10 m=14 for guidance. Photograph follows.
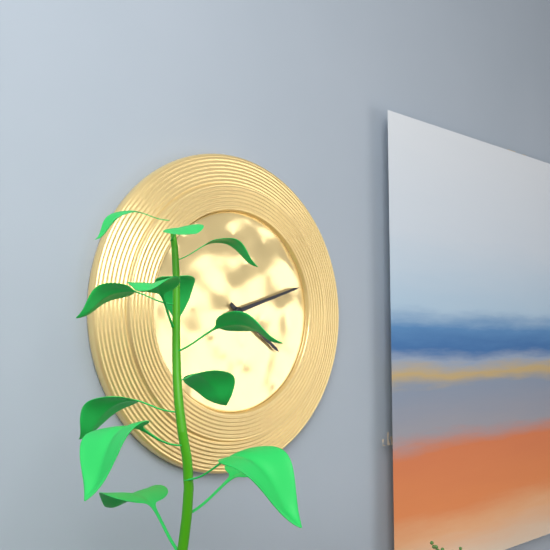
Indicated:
h=4 m=12
